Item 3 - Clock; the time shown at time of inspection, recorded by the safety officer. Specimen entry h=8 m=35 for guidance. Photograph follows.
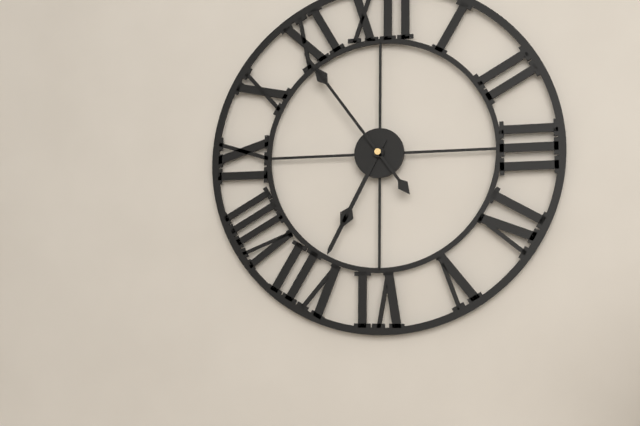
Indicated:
h=6 m=54
